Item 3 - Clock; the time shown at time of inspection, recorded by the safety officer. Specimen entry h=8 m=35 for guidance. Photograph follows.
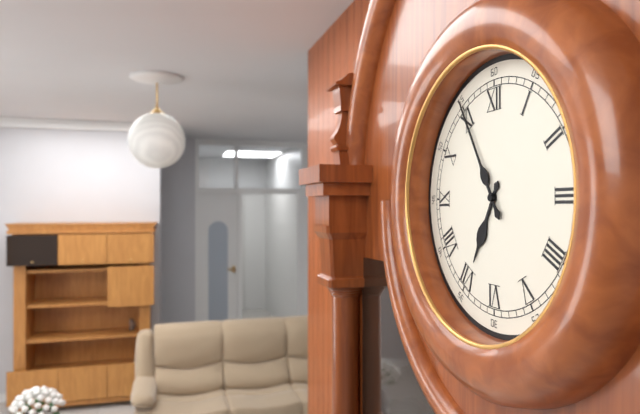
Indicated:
h=6 m=55
